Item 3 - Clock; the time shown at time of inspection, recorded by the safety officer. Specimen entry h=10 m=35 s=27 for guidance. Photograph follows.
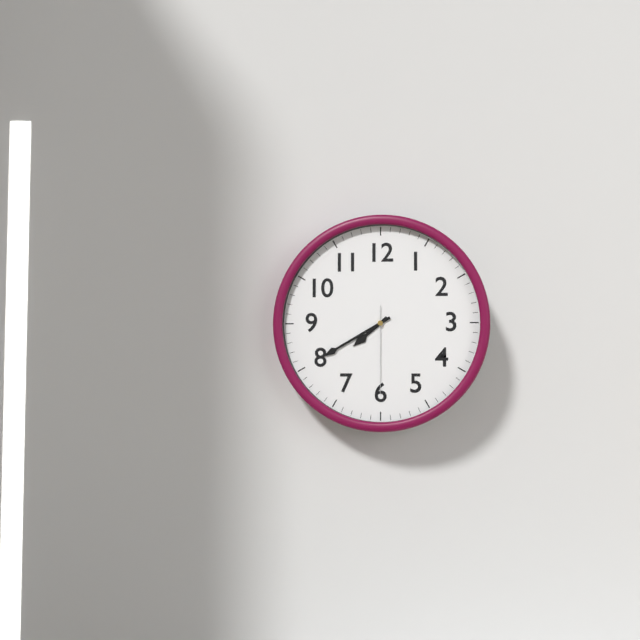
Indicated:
h=7 m=40 s=30
